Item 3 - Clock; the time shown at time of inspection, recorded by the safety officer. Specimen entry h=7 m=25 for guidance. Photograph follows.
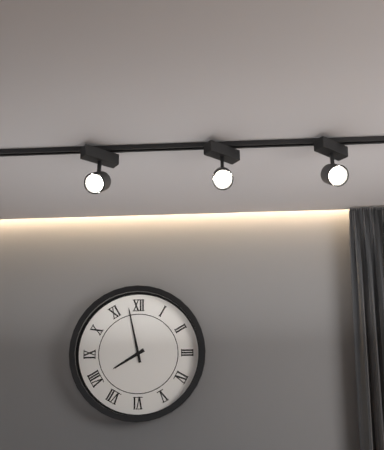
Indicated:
h=7 m=58
